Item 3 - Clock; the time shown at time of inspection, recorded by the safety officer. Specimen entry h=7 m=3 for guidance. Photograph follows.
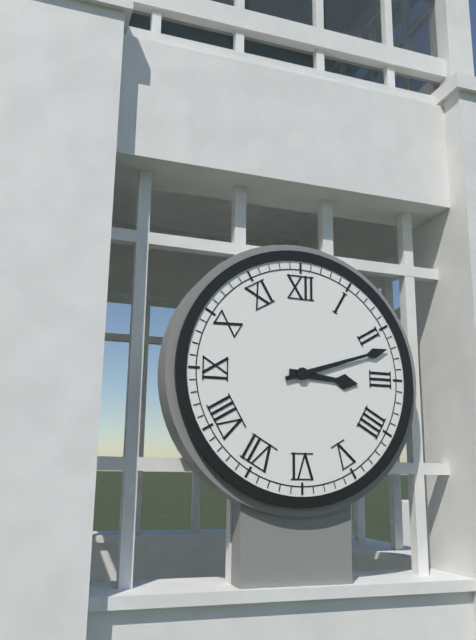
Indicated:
h=3 m=12
